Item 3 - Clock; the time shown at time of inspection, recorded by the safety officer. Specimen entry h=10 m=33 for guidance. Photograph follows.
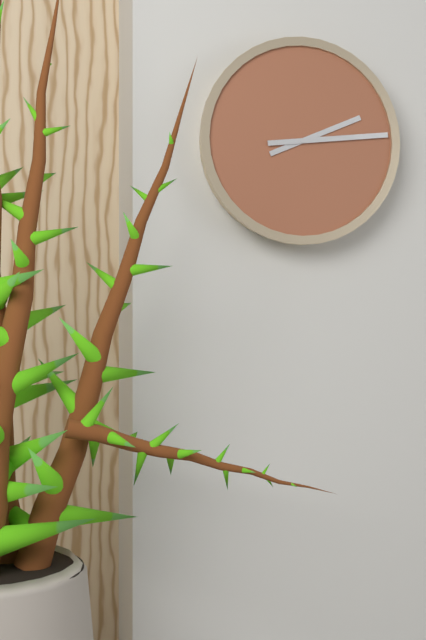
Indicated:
h=2 m=14
